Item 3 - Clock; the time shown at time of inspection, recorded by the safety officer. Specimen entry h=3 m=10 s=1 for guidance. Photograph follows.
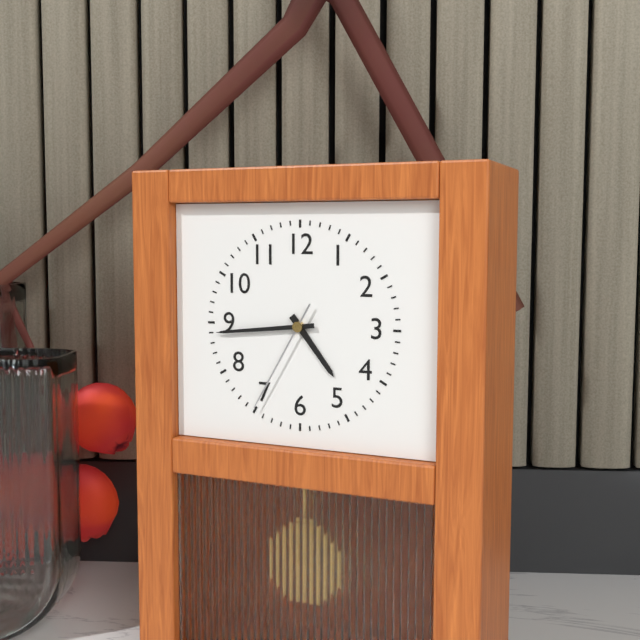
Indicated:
h=4 m=44 s=35
